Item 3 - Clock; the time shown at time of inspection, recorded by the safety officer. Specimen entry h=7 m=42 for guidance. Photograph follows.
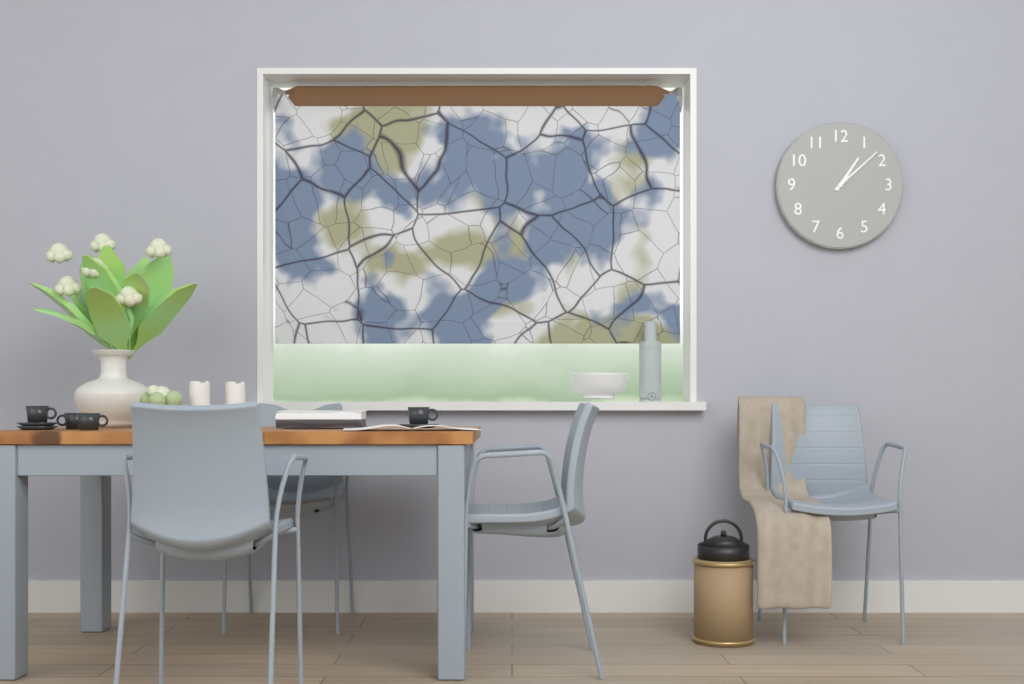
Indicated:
h=1 m=8
